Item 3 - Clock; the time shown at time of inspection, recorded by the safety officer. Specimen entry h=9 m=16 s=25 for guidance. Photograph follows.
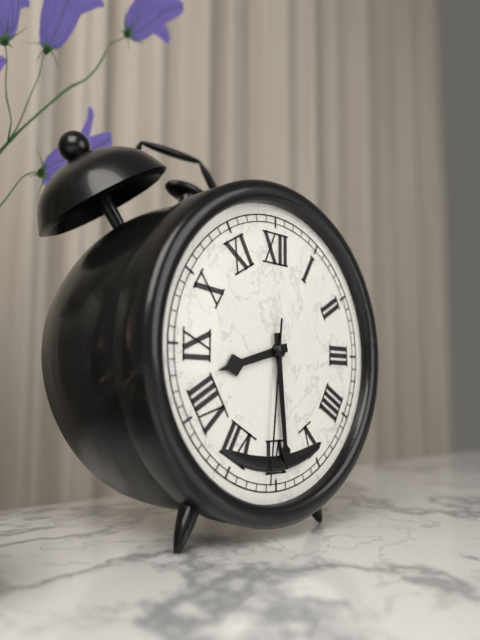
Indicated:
h=8 m=29 s=31
